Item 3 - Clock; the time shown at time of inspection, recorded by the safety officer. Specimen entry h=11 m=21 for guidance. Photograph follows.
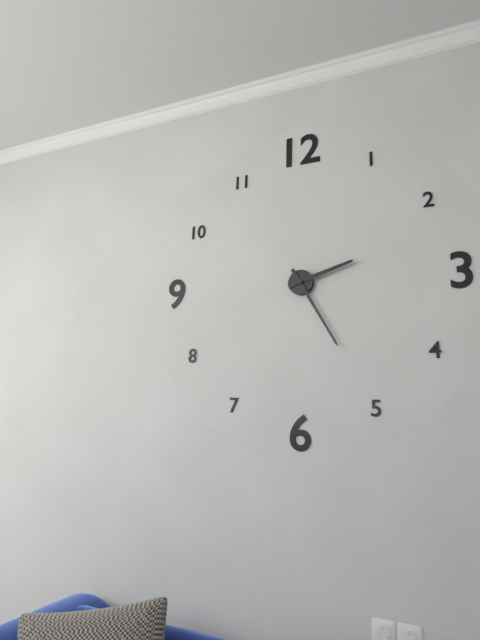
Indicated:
h=2 m=25
